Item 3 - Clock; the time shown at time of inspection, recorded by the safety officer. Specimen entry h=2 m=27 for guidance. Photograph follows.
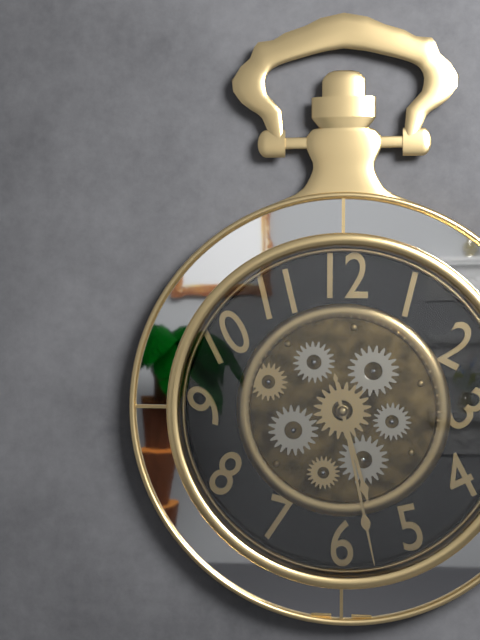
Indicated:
h=5 m=28
